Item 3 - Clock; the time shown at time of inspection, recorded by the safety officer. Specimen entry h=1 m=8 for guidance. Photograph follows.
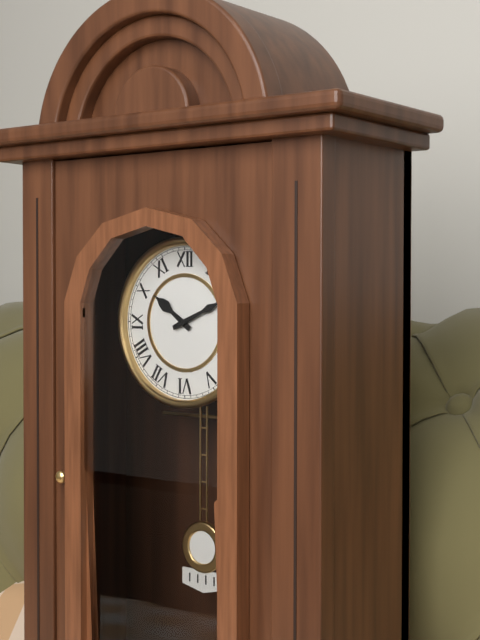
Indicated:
h=10 m=11
